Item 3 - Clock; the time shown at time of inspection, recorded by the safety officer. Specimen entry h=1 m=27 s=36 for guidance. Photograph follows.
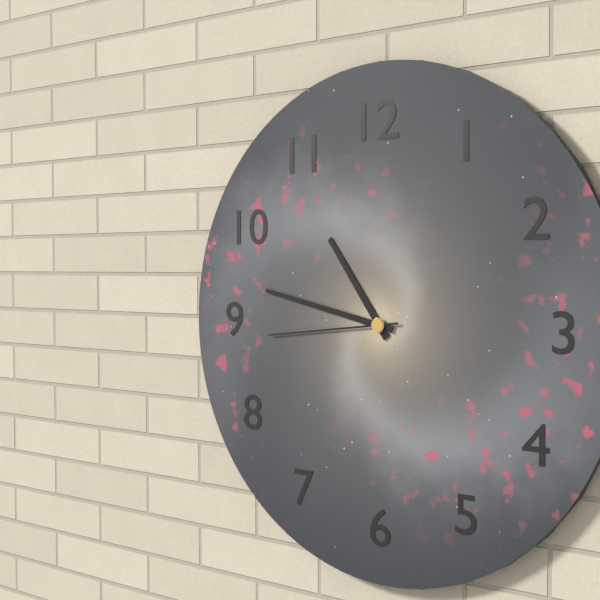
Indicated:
h=10 m=47 s=44
